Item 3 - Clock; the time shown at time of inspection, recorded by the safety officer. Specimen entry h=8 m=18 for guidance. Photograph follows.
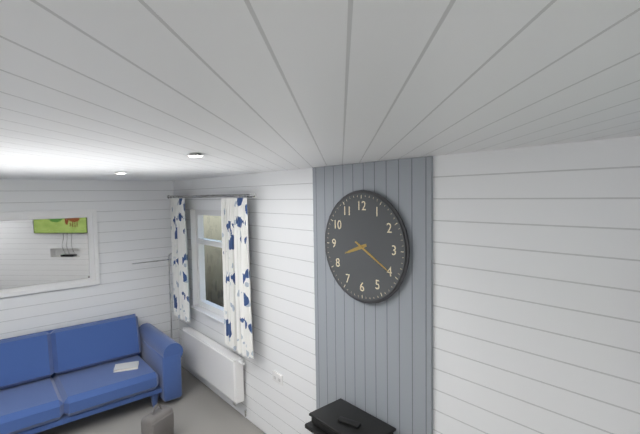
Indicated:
h=8 m=20
